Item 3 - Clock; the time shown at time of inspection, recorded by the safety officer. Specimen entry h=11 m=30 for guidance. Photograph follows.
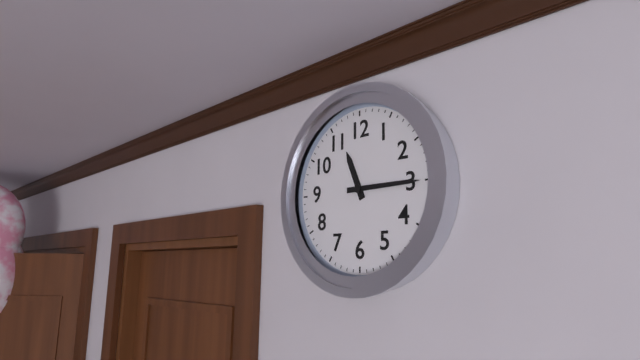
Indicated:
h=11 m=15
